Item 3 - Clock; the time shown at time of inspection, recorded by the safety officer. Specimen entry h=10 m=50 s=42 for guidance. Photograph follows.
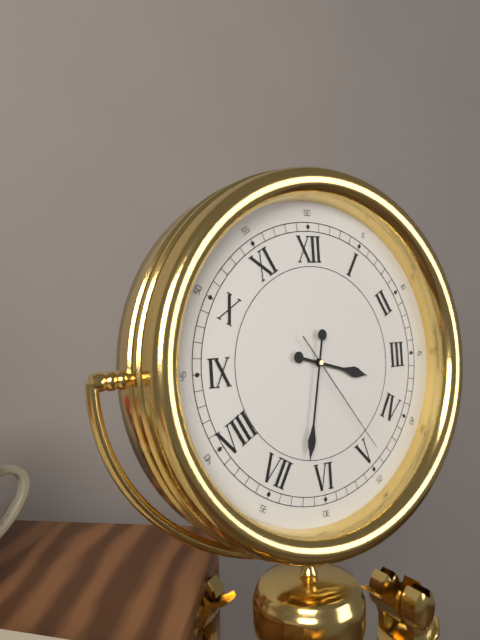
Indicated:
h=3 m=32 s=24
